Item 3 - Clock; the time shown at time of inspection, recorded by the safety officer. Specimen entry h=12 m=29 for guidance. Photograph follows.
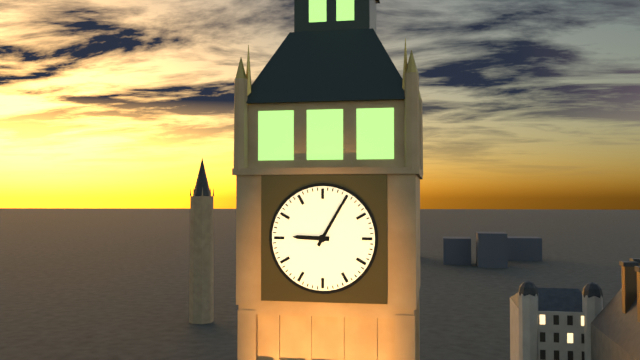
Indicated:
h=9 m=5
